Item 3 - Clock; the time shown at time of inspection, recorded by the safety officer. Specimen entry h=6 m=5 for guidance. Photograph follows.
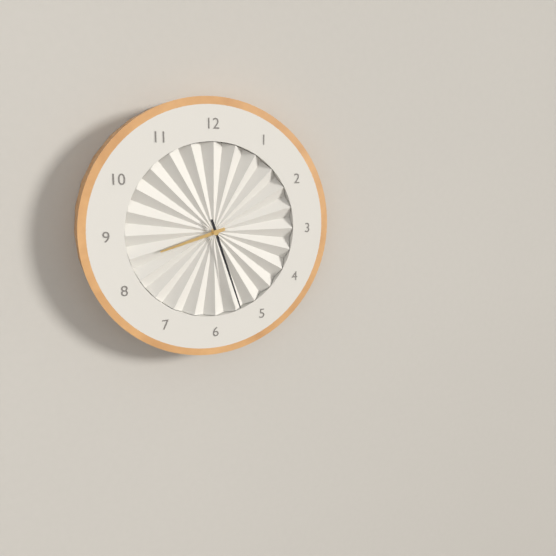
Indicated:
h=8 m=27
